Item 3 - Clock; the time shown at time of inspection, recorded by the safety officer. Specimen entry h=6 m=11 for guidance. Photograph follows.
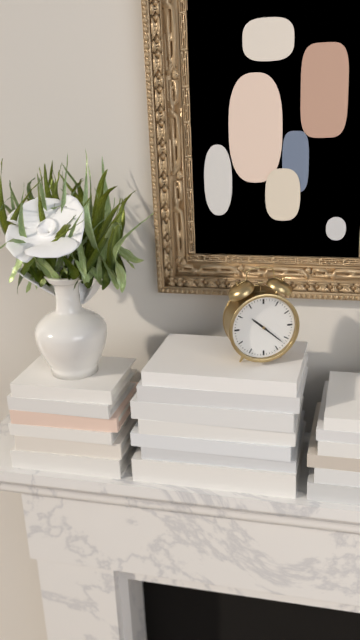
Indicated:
h=10 m=22
